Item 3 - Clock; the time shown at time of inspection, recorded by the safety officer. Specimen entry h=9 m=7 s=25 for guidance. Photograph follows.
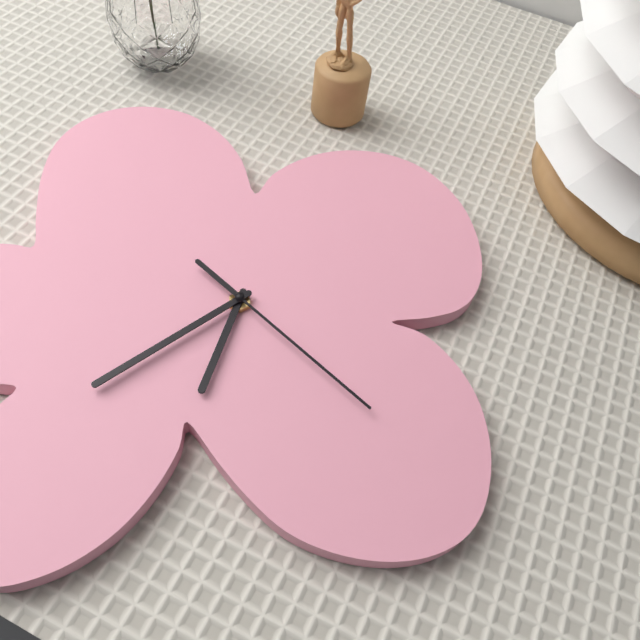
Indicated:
h=6 m=39 s=23
